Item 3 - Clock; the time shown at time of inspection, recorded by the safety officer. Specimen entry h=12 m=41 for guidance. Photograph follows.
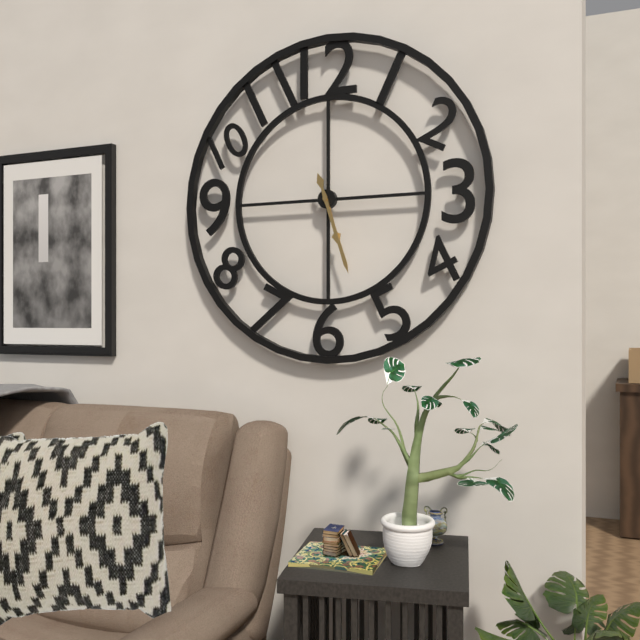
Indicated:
h=5 m=27
